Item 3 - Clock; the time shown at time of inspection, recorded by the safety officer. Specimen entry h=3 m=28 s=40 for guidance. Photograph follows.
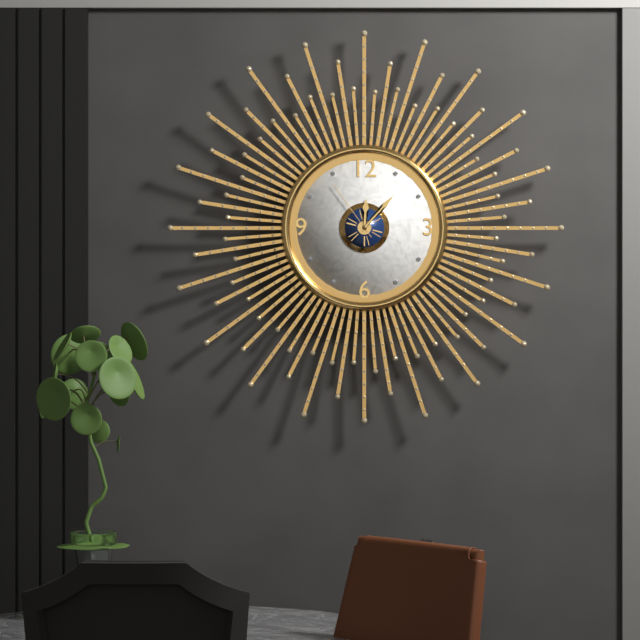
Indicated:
h=12 m=7 s=54
